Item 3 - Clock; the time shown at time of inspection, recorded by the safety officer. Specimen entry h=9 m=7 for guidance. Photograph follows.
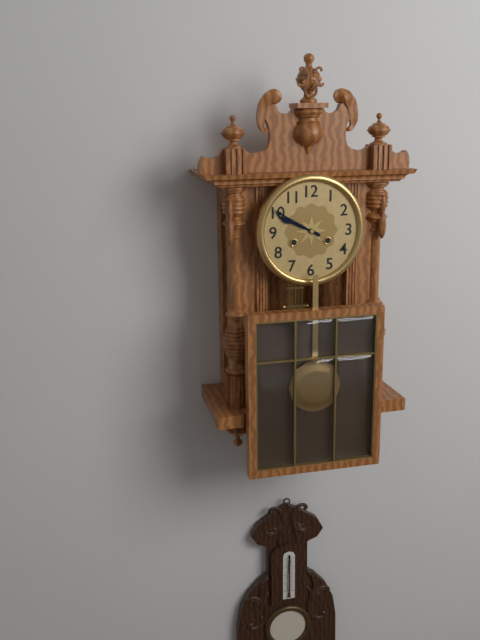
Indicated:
h=9 m=50
